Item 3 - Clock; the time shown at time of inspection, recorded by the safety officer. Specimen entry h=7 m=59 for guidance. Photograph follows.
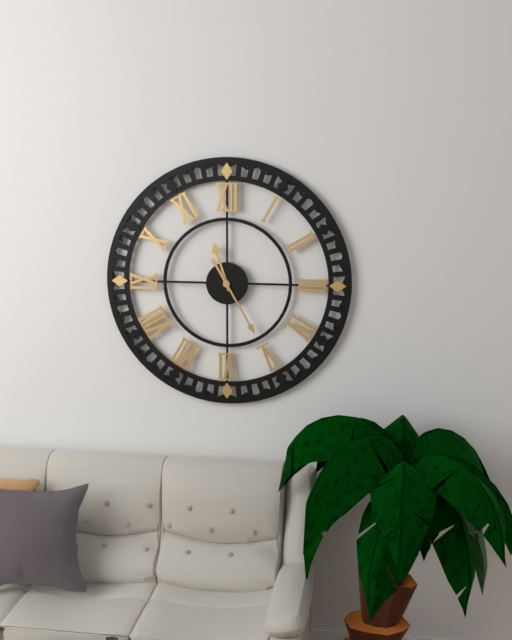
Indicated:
h=11 m=25
